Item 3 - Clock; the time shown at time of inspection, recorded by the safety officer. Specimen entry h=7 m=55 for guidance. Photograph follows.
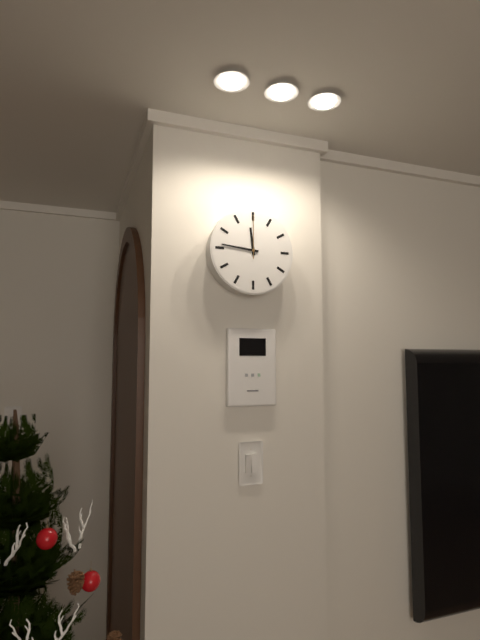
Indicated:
h=11 m=46
